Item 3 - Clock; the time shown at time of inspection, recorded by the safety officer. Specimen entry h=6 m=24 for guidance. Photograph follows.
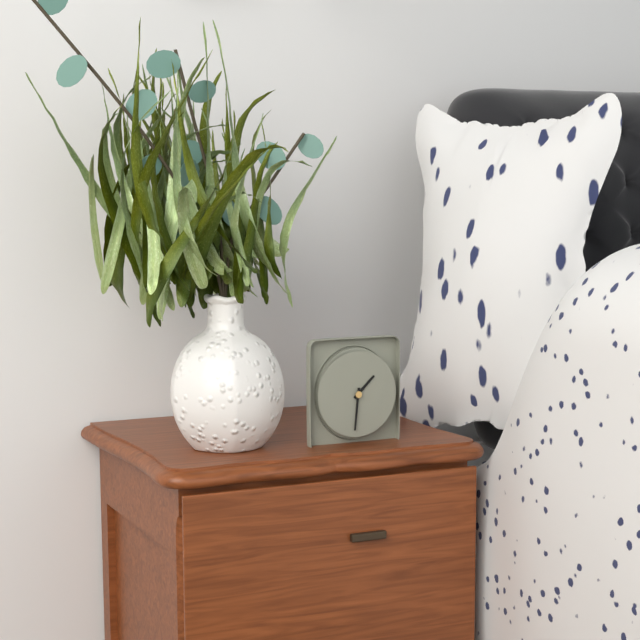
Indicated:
h=1 m=31
